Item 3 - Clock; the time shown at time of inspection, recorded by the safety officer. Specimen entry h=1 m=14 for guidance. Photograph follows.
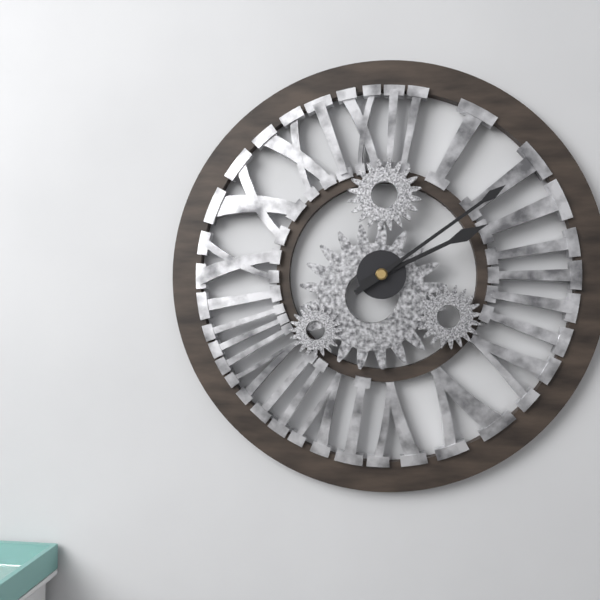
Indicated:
h=2 m=9
